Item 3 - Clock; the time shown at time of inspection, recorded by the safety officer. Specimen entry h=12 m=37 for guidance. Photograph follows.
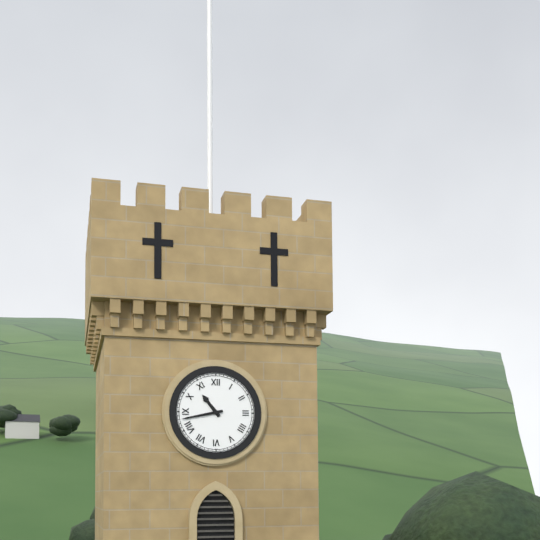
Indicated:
h=10 m=43
